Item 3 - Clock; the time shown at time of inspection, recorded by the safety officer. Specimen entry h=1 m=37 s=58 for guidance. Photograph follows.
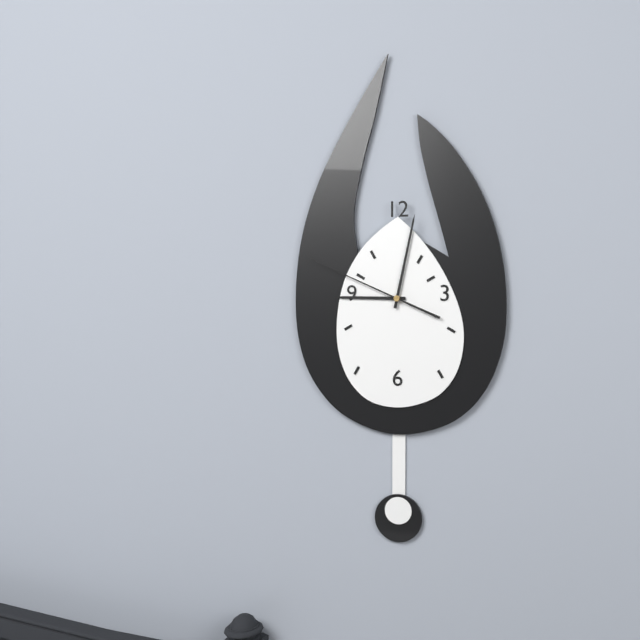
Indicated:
h=9 m=2 s=49
